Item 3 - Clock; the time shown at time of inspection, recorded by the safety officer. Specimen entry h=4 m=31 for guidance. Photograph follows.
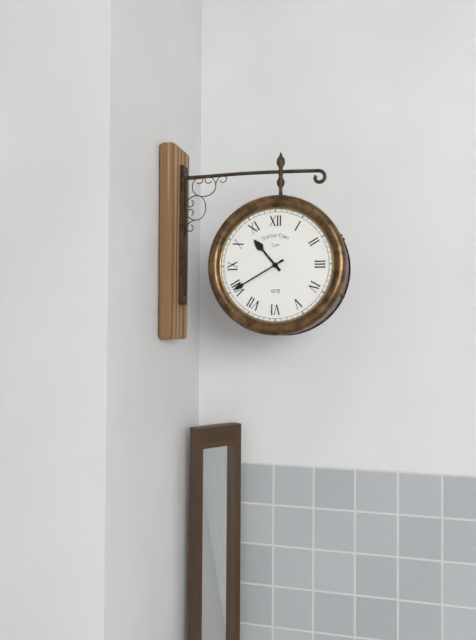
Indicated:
h=10 m=40
